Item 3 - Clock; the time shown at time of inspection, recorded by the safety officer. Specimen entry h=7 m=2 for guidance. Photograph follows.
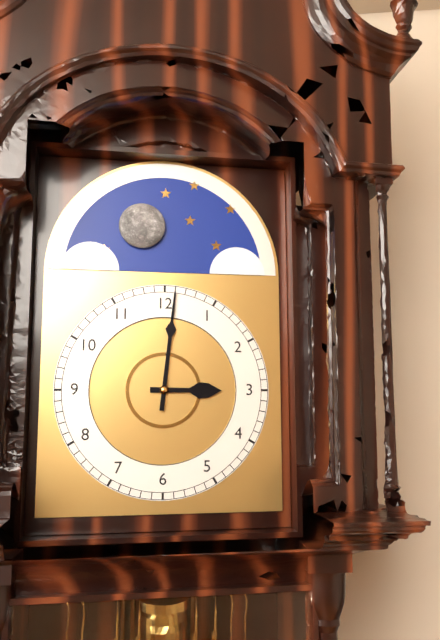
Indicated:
h=3 m=1
